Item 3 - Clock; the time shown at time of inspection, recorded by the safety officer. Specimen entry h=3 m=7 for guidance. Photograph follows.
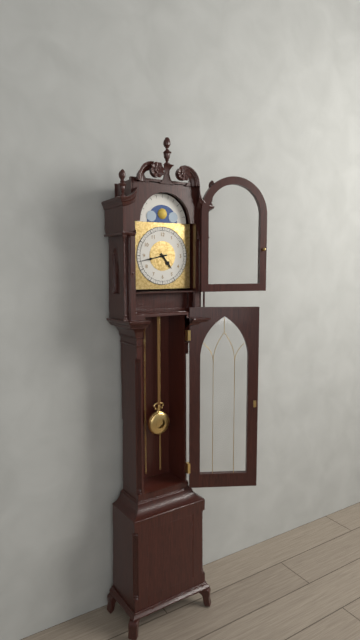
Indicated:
h=4 m=43
